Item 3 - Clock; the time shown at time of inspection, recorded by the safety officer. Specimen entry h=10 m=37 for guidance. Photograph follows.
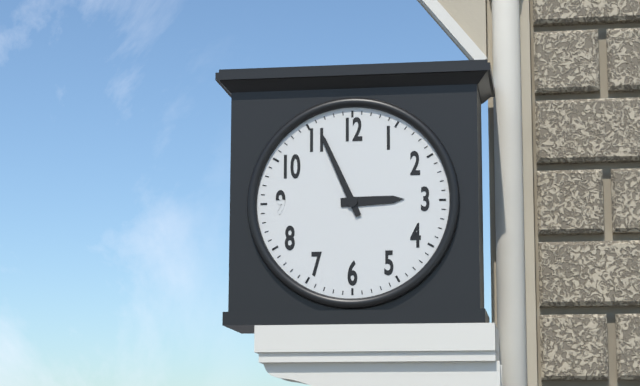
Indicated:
h=2 m=56
